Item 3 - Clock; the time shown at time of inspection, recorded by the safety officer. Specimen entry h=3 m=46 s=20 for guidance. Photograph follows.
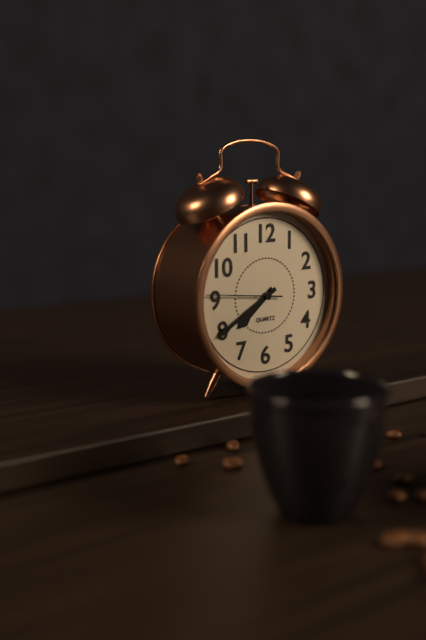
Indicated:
h=7 m=40 s=46
